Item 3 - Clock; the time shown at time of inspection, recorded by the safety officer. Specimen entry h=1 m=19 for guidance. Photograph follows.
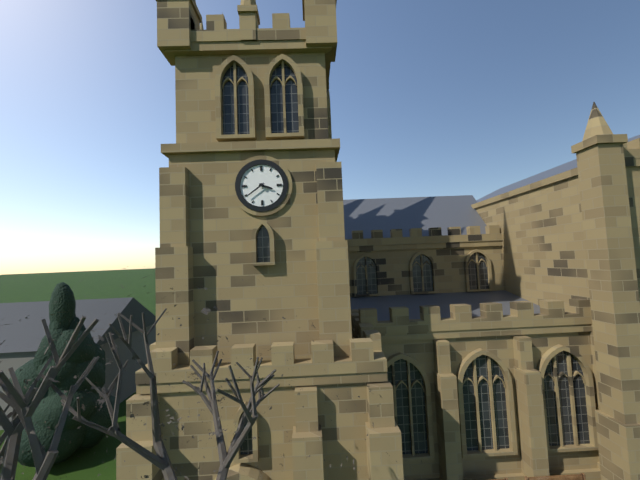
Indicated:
h=3 m=39
